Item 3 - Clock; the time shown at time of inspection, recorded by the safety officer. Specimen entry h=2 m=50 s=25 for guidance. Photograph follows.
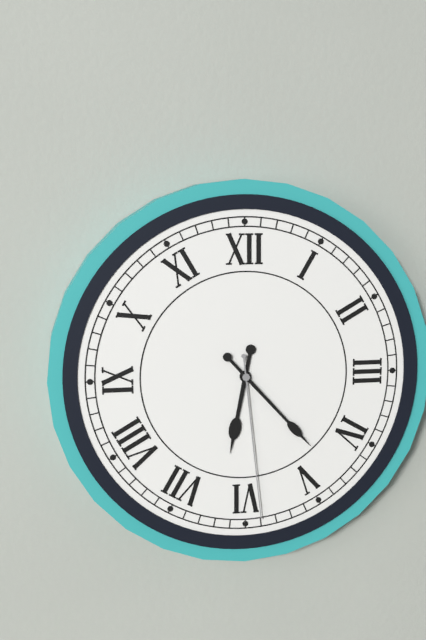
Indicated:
h=6 m=23 s=29
